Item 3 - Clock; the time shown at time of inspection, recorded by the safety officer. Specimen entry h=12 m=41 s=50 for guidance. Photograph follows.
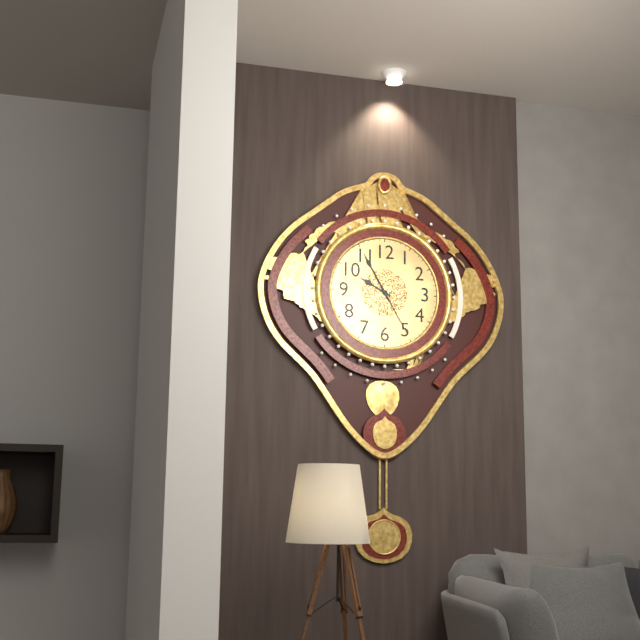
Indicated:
h=9 m=55 s=25
